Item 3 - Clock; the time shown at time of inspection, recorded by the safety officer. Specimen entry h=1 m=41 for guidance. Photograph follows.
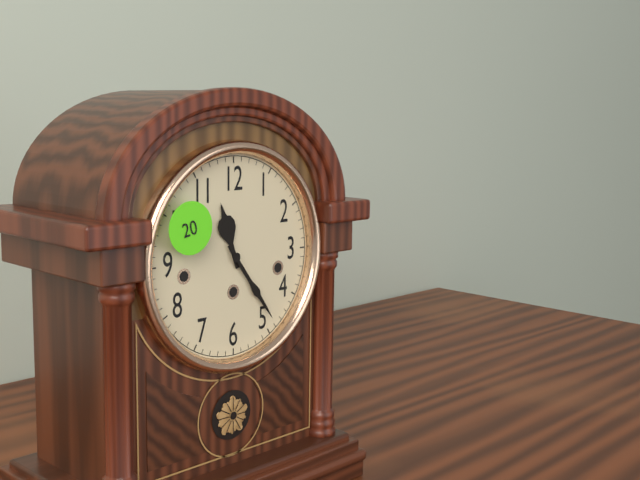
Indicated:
h=11 m=24
